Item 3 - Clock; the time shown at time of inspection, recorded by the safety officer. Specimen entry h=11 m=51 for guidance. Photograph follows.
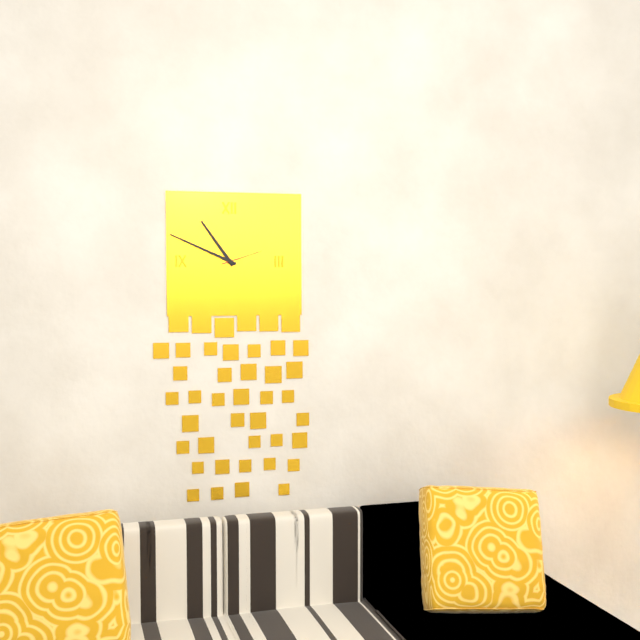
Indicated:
h=10 m=49
